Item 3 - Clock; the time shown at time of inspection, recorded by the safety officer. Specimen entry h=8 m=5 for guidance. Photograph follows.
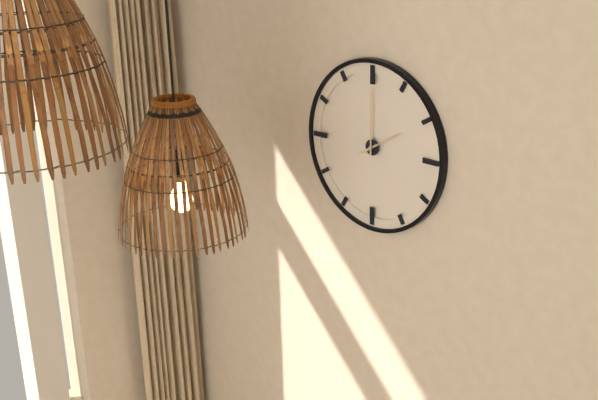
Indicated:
h=2 m=0
